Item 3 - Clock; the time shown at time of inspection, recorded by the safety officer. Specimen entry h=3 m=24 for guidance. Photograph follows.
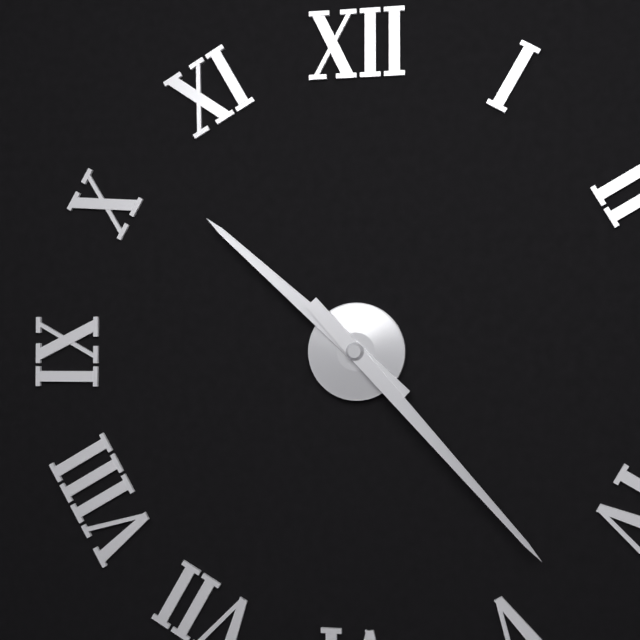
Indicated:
h=10 m=23
